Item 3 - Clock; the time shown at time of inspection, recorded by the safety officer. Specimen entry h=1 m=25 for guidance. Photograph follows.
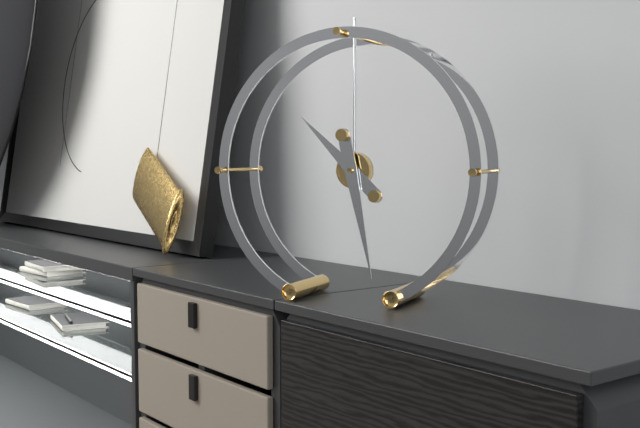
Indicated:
h=10 m=28
